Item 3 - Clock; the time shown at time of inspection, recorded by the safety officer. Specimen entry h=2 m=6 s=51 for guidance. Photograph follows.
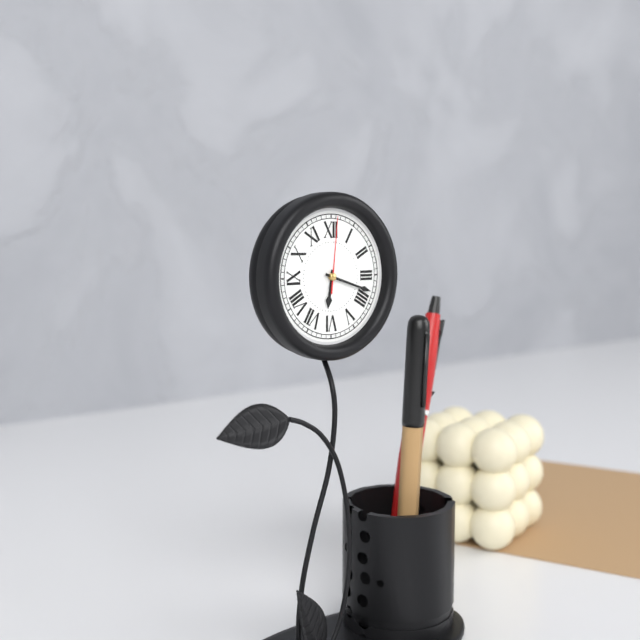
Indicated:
h=6 m=18 s=1
